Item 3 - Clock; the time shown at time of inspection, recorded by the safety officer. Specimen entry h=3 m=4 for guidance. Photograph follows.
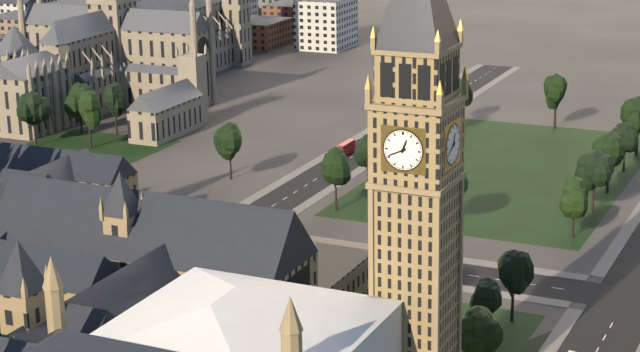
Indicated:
h=12 m=41
